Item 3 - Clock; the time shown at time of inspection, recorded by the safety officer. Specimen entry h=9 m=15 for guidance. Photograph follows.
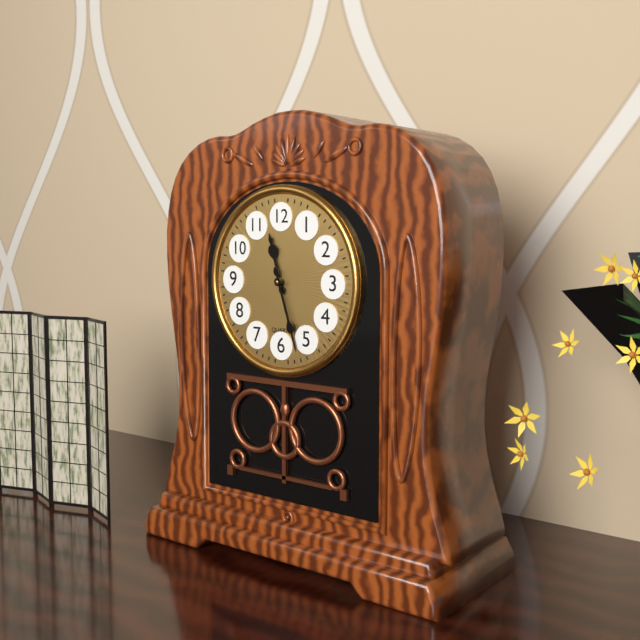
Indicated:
h=11 m=27
